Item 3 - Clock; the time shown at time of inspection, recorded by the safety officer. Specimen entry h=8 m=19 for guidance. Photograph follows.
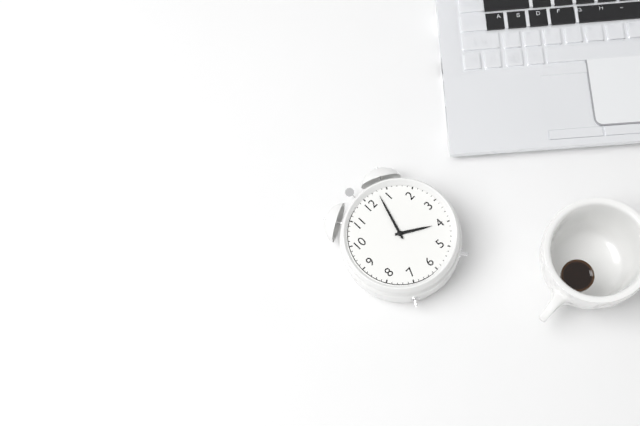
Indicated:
h=4 m=3
